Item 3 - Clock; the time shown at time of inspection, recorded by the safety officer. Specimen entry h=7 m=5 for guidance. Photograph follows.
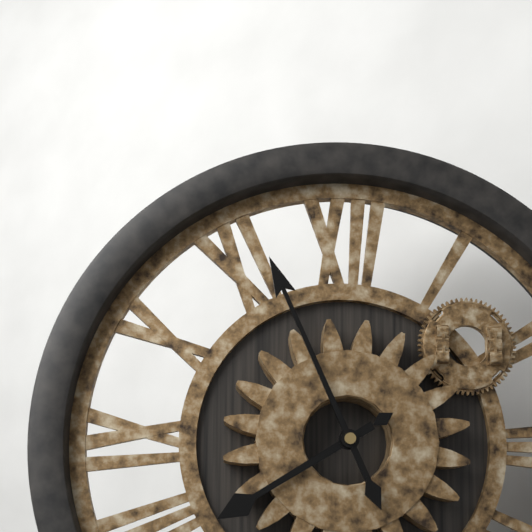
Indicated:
h=7 m=56
